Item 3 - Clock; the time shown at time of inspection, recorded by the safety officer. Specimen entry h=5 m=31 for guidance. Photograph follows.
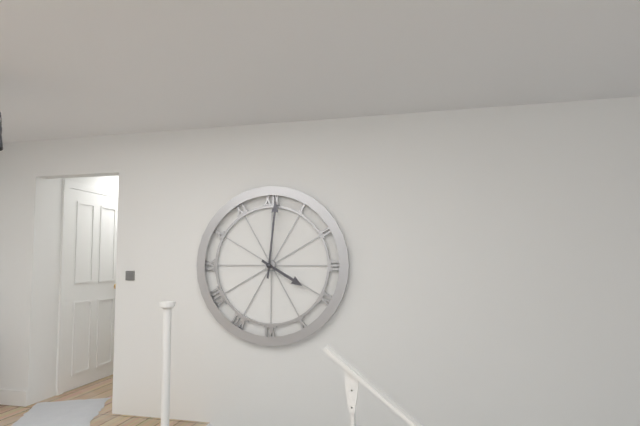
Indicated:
h=4 m=1
